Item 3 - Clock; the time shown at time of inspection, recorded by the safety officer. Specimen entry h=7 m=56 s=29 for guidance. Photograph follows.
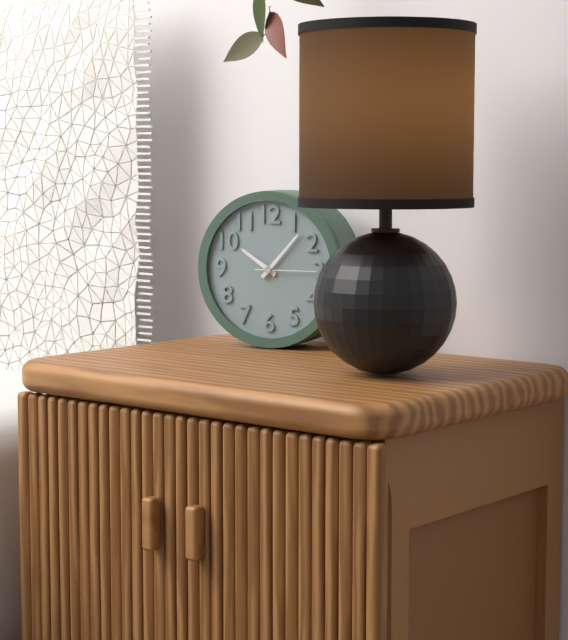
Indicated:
h=10 m=7 s=15
